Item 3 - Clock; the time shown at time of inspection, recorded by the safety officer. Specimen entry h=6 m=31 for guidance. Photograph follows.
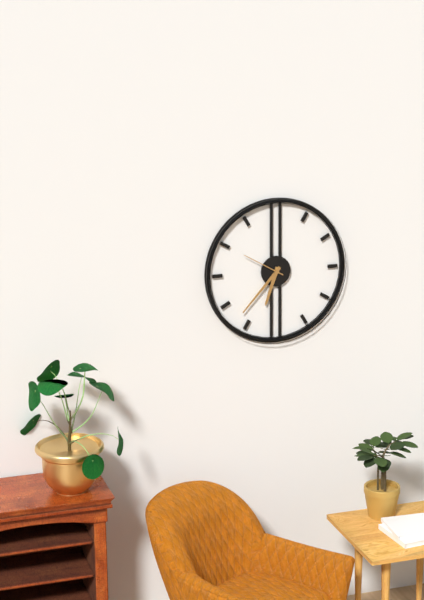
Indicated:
h=6 m=37
